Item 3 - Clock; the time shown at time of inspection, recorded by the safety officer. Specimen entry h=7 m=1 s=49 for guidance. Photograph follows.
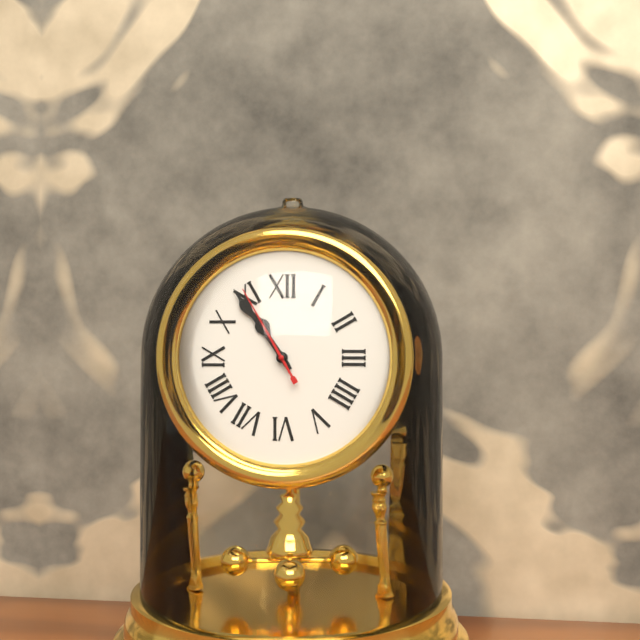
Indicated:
h=10 m=54 s=55
